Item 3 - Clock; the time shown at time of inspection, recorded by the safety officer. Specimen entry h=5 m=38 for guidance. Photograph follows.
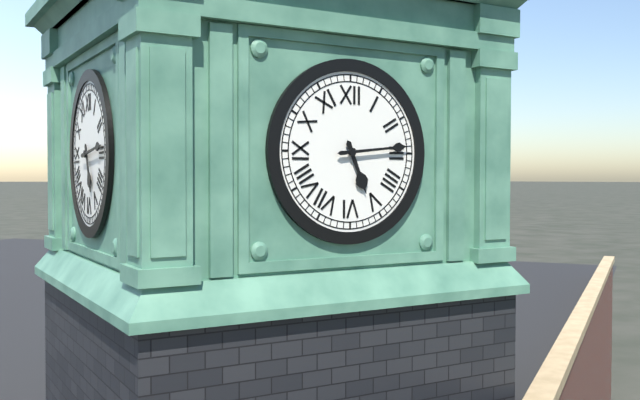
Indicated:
h=5 m=14
